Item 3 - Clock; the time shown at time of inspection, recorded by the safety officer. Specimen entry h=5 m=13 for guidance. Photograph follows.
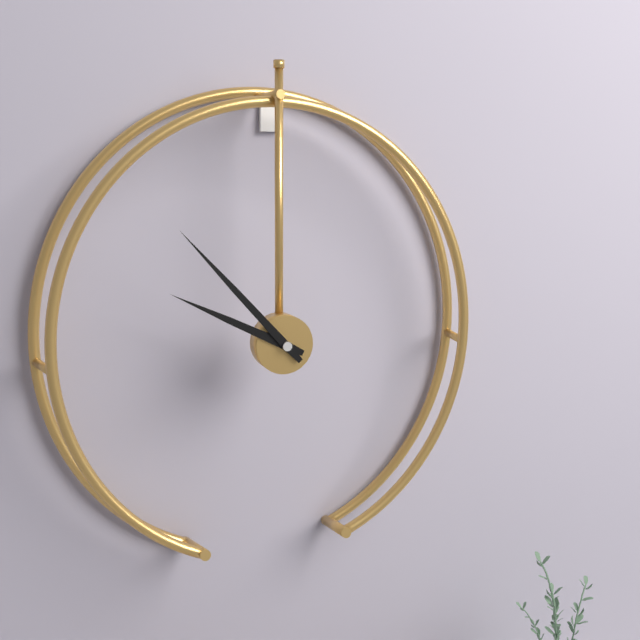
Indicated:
h=9 m=53
